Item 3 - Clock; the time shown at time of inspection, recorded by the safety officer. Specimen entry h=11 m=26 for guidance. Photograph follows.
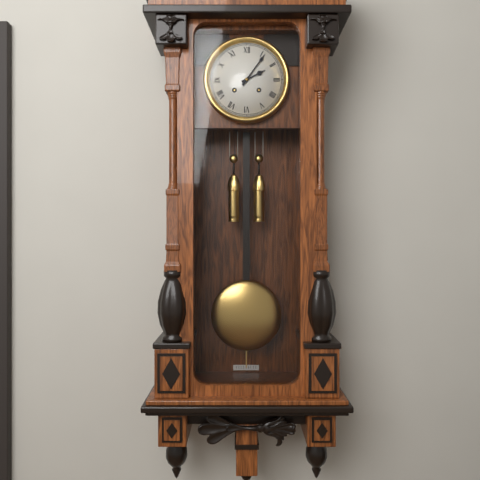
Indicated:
h=2 m=6
